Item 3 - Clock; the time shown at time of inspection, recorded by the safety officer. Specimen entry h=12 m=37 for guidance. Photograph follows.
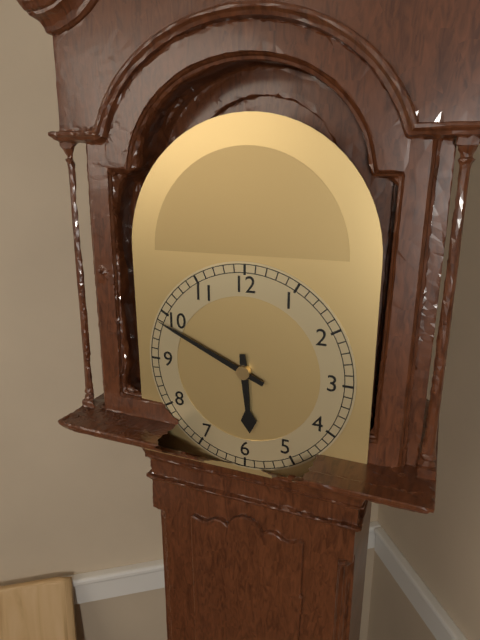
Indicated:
h=5 m=49
